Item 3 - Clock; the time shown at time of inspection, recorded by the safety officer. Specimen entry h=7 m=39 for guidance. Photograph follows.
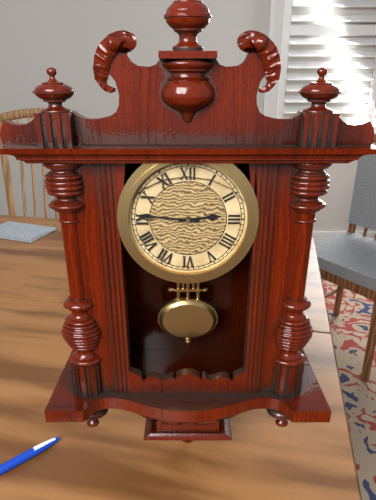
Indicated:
h=2 m=46
